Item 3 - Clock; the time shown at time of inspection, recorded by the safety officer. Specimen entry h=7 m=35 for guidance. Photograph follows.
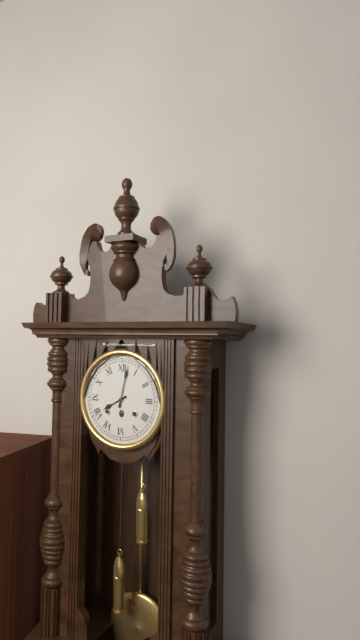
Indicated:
h=8 m=2
